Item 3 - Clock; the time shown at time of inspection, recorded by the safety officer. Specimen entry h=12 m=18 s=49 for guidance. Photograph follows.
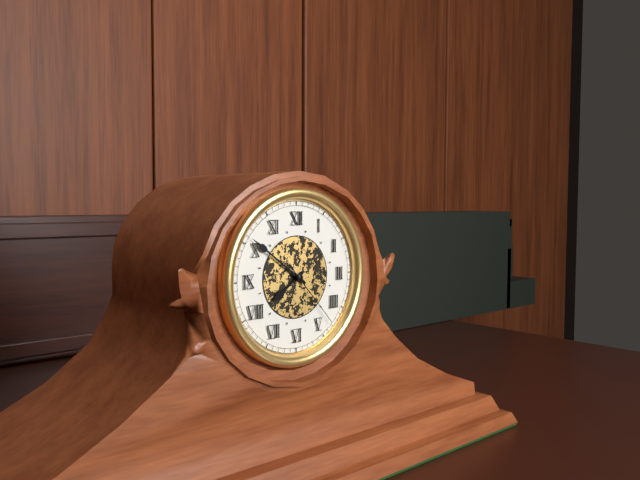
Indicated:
h=7 m=51 s=23
